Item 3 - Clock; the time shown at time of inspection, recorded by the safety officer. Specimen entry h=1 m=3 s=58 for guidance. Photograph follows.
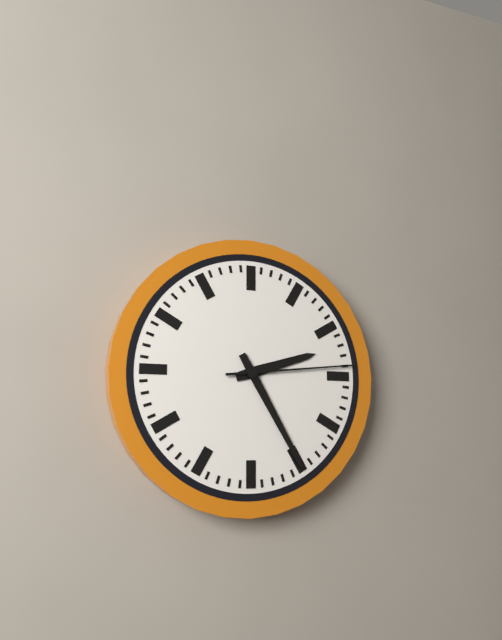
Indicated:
h=2 m=25 s=14
